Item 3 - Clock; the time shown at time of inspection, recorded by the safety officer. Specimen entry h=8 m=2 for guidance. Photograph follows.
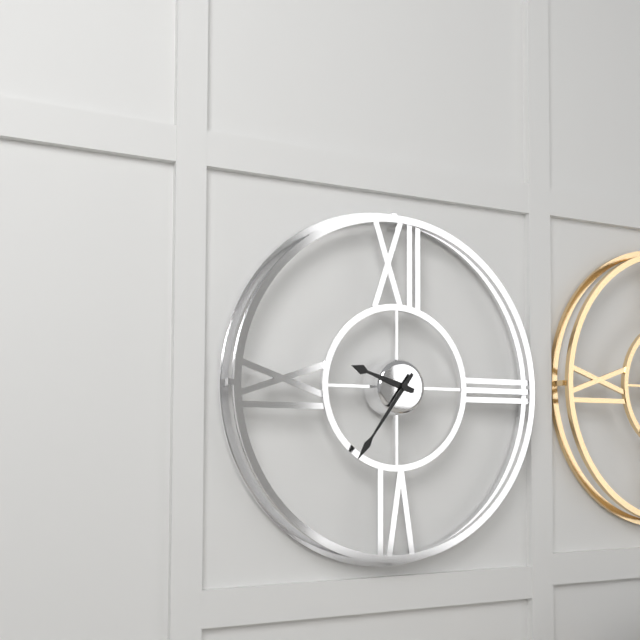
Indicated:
h=9 m=36
